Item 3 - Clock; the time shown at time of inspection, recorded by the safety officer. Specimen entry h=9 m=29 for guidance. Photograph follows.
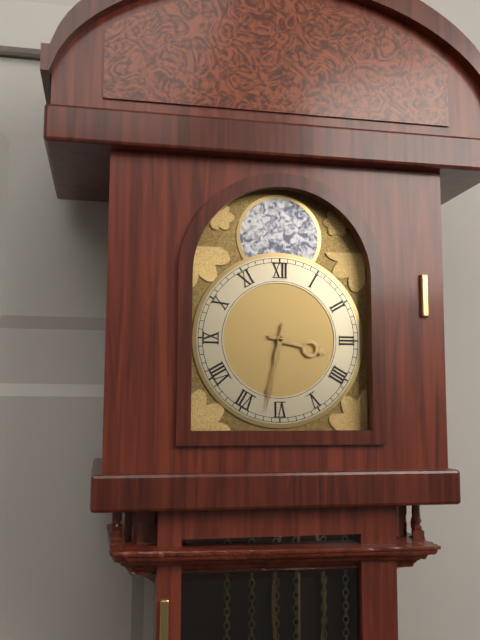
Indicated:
h=3 m=32
